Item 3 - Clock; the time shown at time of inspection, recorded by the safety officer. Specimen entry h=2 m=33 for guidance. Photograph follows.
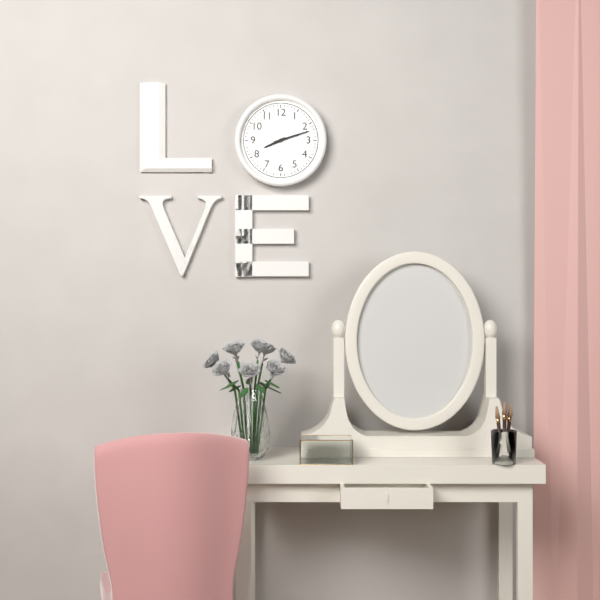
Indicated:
h=8 m=12
